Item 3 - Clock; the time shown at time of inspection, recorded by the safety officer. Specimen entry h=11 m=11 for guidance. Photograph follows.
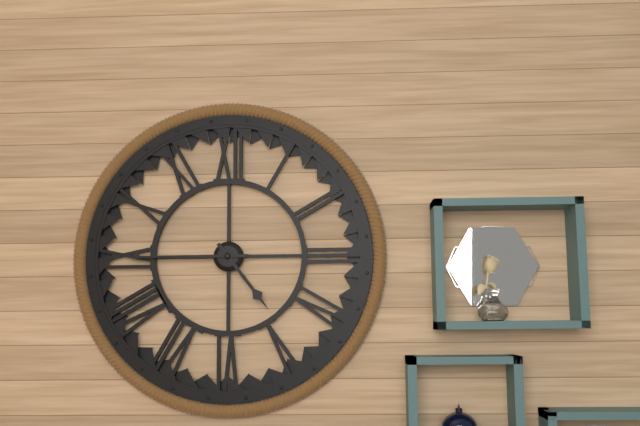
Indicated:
h=4 m=45
